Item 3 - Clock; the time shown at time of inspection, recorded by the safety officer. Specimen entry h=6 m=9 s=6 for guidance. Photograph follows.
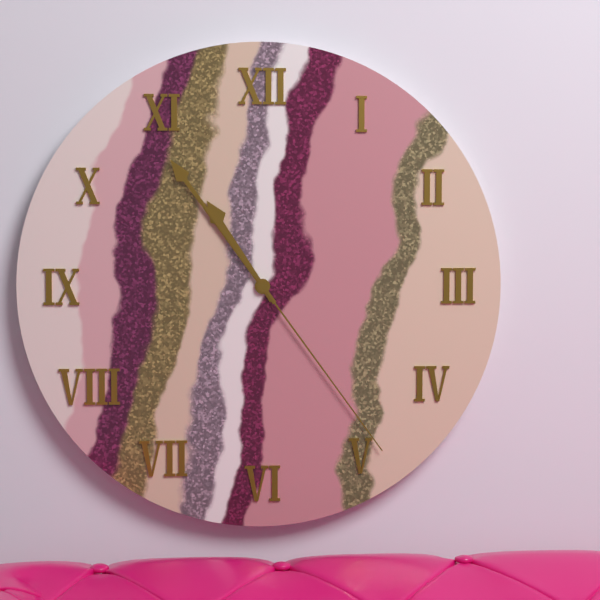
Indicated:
h=10 m=54 s=24
